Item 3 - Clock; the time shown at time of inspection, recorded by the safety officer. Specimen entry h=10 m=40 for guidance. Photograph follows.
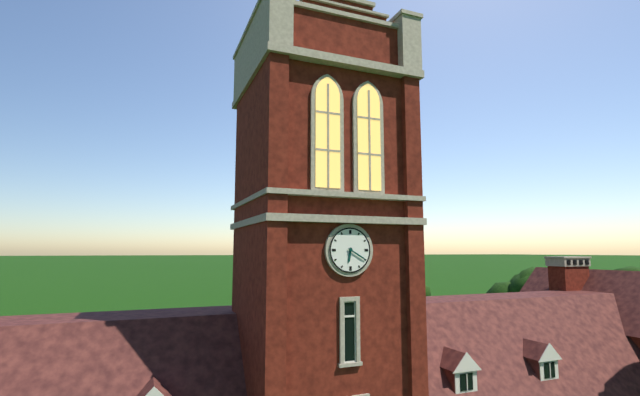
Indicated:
h=6 m=20
